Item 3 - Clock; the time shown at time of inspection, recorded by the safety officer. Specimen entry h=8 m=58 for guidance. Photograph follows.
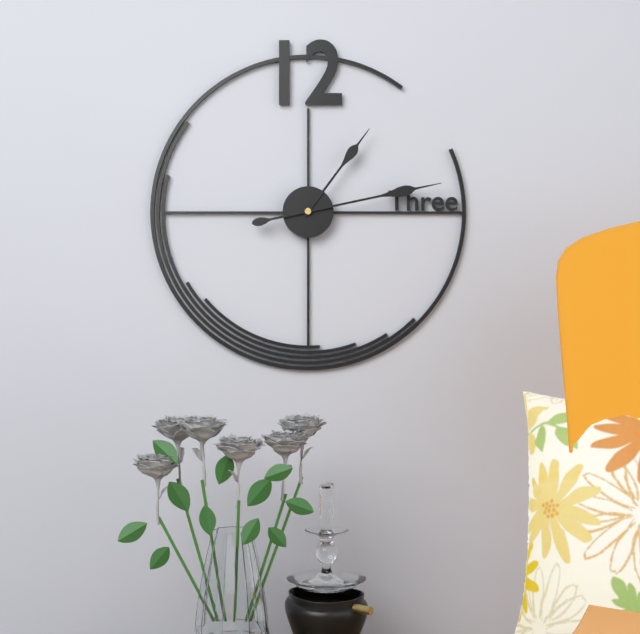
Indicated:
h=1 m=13
